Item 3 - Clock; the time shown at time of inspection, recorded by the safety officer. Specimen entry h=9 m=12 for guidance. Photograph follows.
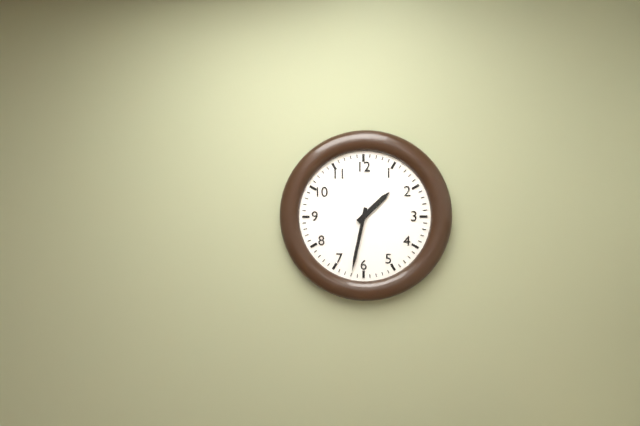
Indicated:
h=1 m=32
